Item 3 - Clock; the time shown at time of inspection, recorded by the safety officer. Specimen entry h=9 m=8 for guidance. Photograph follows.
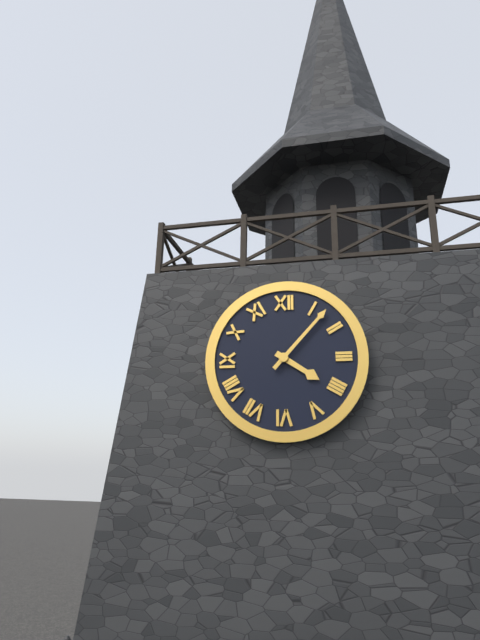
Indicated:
h=4 m=7
